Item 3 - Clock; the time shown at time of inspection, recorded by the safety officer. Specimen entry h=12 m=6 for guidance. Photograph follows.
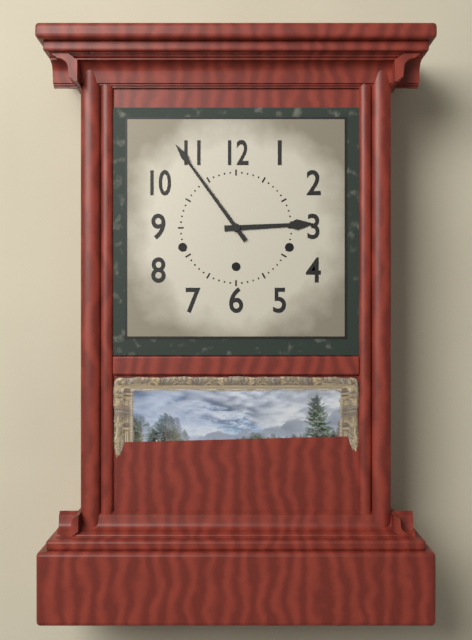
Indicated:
h=2 m=54
